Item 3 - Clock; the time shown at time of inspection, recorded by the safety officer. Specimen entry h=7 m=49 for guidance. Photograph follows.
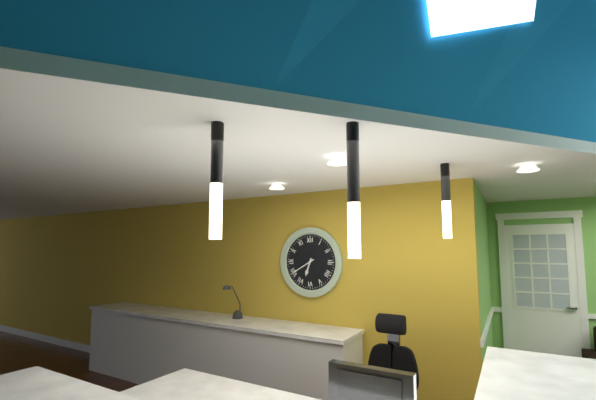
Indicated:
h=6 m=40
